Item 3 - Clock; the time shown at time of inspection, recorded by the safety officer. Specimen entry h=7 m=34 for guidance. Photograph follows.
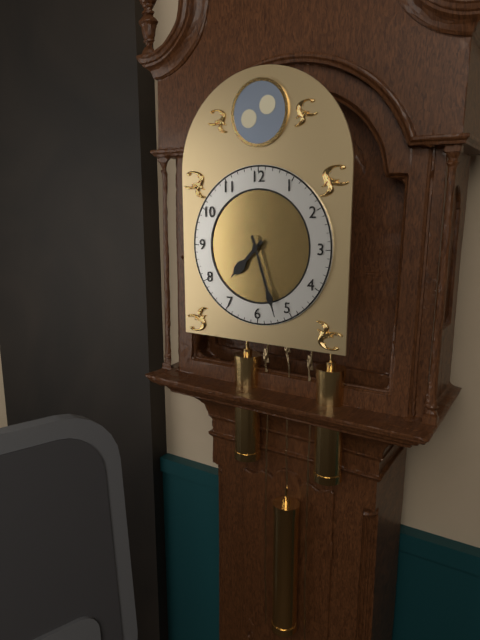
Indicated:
h=7 m=27
